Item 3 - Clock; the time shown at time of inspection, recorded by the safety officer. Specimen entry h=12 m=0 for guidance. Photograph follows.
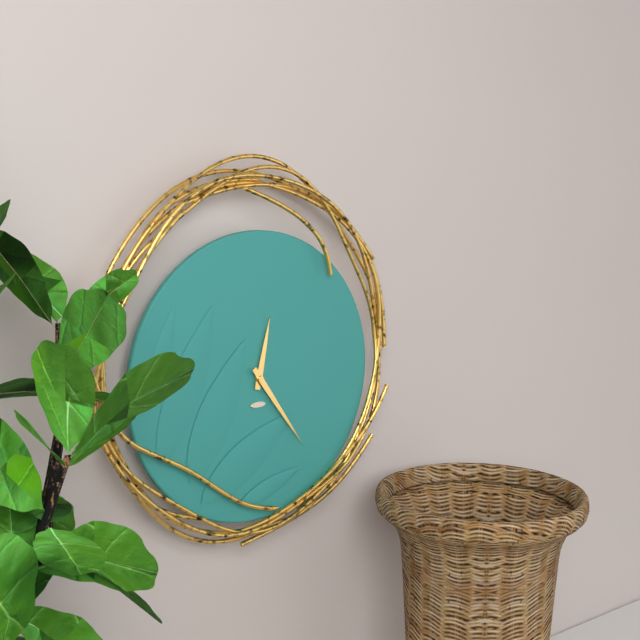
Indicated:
h=12 m=24
